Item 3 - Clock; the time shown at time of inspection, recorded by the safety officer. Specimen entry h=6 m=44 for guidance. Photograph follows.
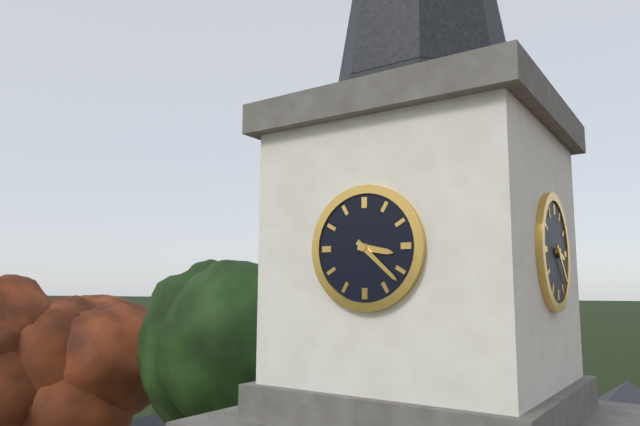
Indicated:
h=3 m=22
